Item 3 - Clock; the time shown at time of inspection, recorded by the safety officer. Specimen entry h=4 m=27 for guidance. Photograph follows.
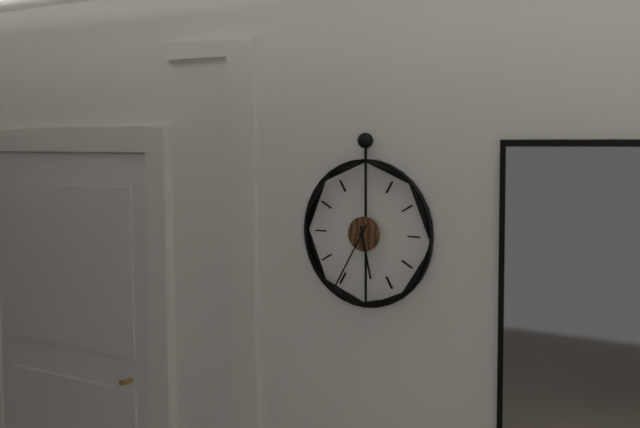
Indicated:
h=5 m=35
